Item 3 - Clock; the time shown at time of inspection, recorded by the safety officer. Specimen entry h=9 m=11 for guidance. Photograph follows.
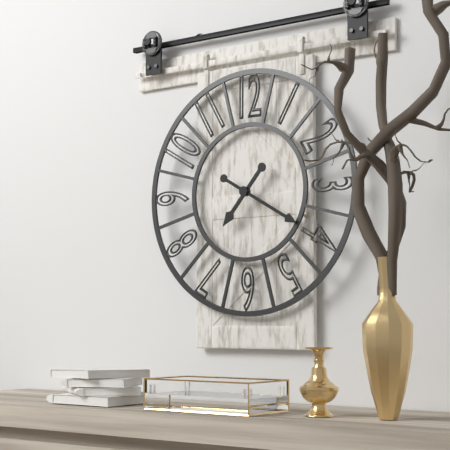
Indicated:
h=7 m=20
